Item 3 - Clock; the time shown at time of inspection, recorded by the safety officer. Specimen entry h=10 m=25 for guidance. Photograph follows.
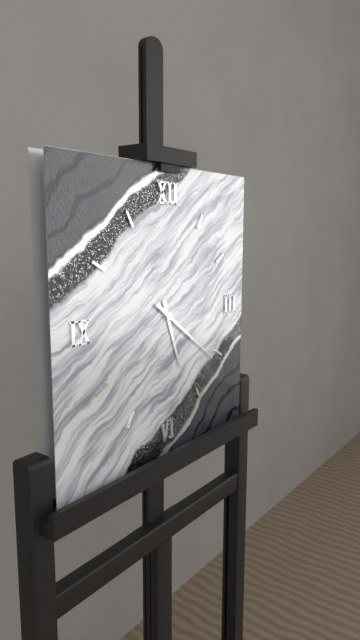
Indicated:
h=5 m=21
